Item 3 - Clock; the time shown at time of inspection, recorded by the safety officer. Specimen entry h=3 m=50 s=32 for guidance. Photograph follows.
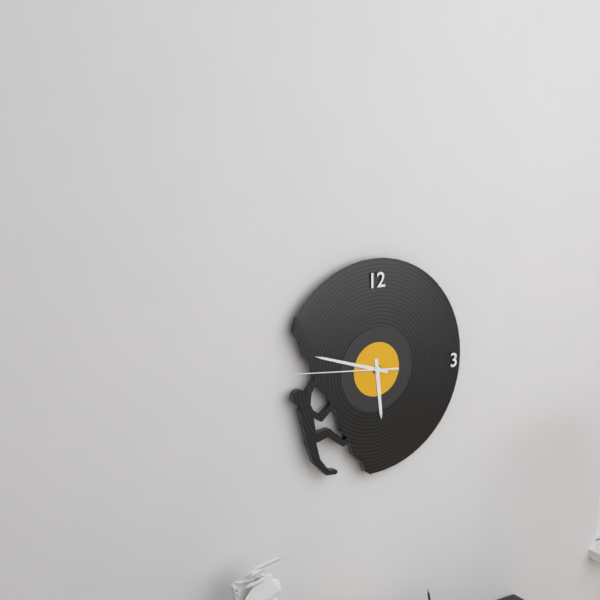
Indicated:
h=5 m=48 s=46
